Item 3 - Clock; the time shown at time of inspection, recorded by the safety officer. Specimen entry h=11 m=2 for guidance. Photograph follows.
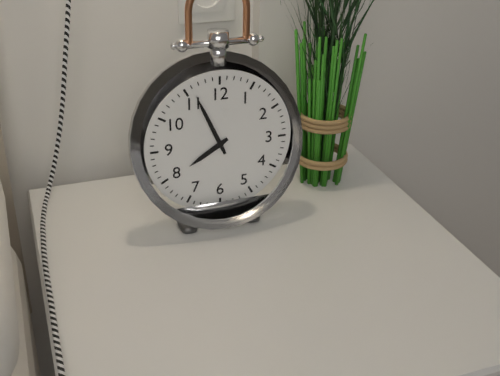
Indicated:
h=7 m=56
